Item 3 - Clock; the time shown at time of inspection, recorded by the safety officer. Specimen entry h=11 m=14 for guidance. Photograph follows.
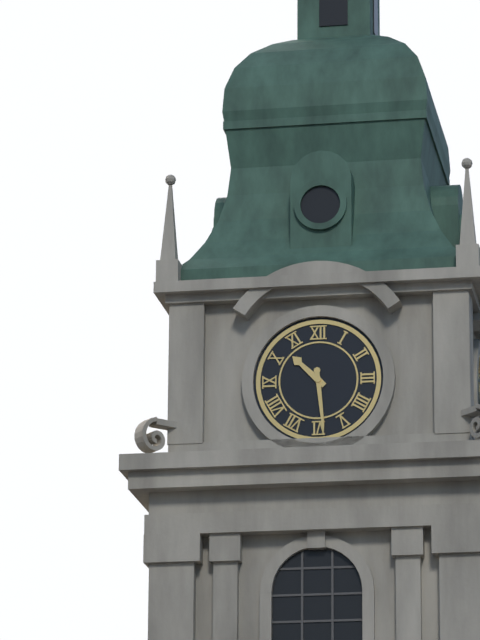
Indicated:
h=10 m=29
